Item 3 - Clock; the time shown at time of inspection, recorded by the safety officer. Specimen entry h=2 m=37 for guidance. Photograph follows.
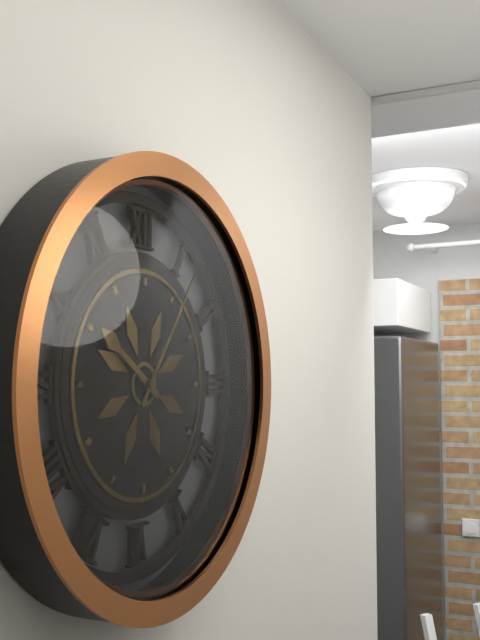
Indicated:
h=10 m=6
